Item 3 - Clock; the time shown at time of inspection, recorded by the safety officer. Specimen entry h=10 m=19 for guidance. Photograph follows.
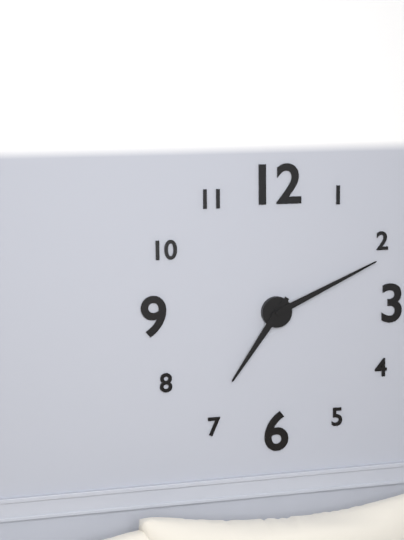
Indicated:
h=7 m=11
